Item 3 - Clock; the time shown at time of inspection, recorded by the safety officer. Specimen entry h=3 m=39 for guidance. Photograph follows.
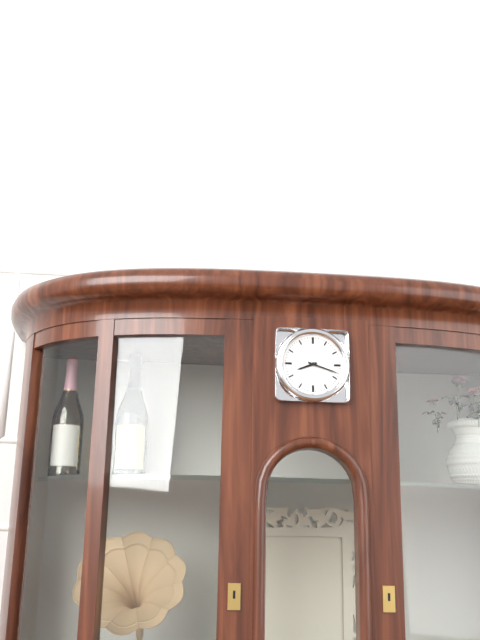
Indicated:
h=8 m=18
